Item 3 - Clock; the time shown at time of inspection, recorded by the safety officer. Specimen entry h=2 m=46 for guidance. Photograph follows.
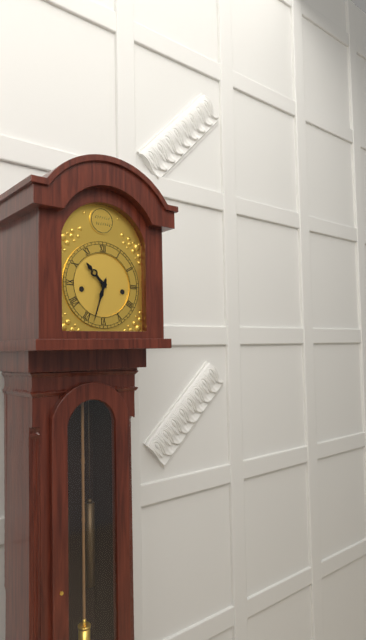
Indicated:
h=10 m=33
